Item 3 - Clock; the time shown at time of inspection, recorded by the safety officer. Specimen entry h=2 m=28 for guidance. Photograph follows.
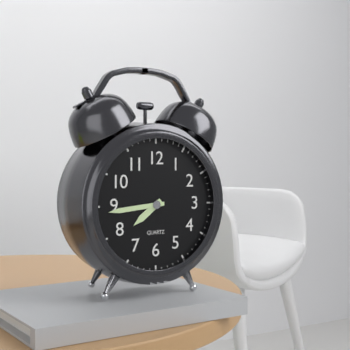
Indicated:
h=7 m=44
